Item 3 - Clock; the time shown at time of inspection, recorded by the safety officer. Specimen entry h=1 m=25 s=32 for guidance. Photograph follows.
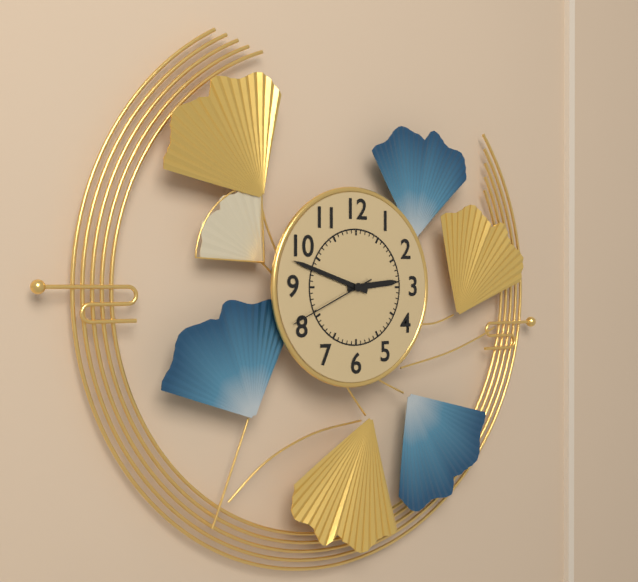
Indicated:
h=2 m=48 s=41
